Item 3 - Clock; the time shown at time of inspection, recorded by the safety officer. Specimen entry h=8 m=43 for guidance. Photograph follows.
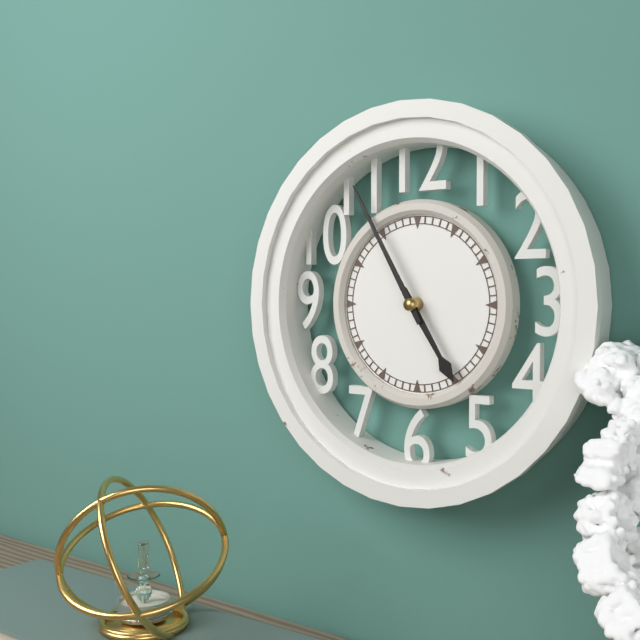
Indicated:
h=4 m=55
